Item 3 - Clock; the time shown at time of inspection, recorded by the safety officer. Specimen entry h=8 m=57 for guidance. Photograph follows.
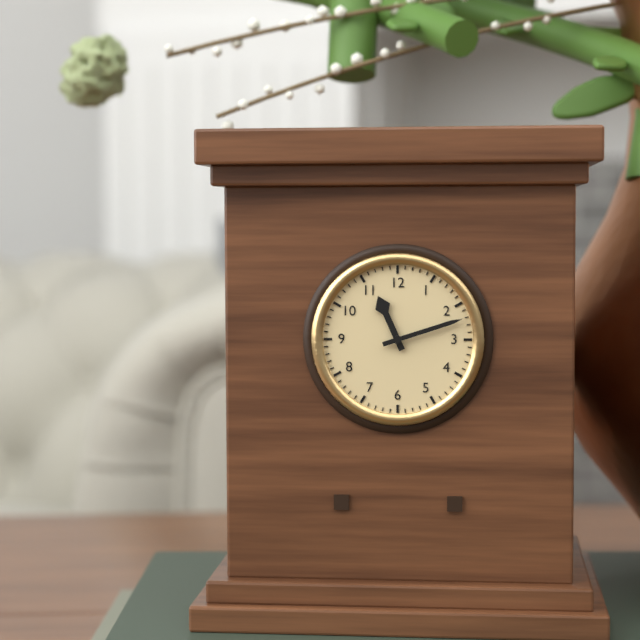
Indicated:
h=11 m=12
